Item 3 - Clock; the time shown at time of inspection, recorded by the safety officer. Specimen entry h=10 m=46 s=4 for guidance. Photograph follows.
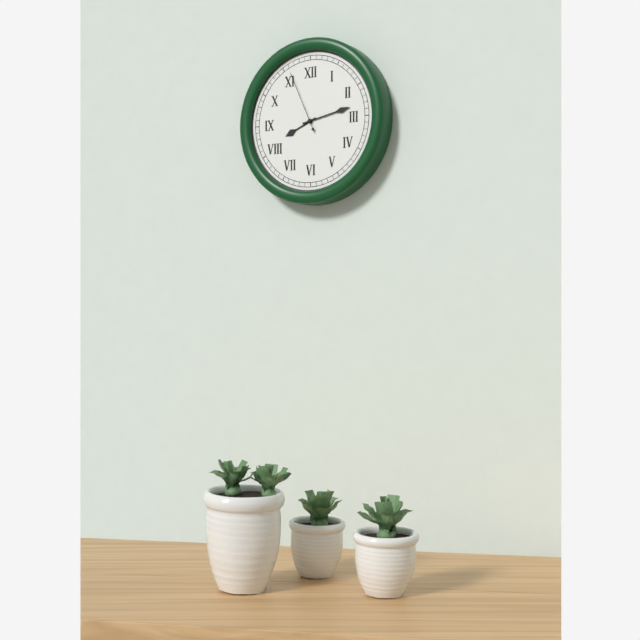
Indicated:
h=8 m=13 s=56
